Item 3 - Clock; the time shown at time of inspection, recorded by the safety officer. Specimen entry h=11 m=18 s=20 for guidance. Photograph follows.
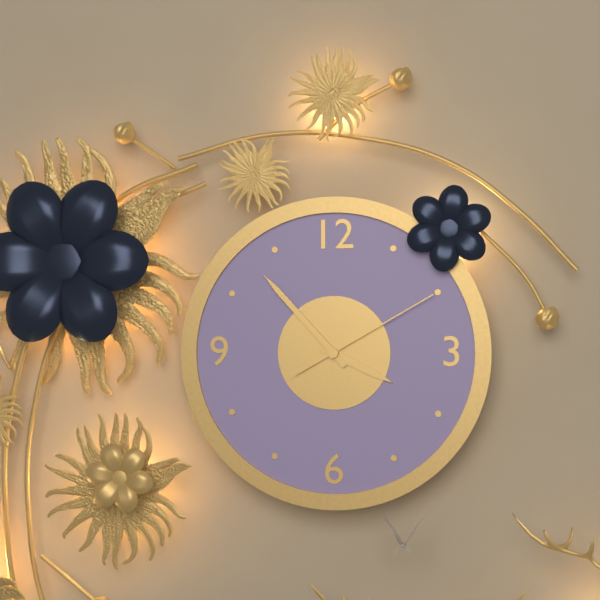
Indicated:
h=3 m=53 s=10
